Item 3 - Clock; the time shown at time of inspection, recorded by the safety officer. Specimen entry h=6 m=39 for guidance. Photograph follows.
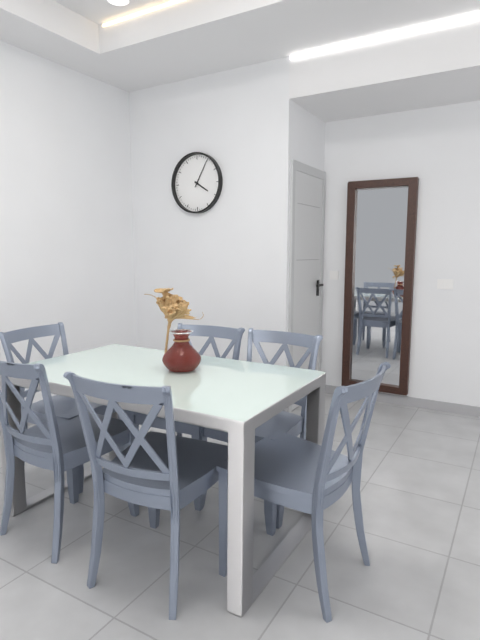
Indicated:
h=4 m=5
